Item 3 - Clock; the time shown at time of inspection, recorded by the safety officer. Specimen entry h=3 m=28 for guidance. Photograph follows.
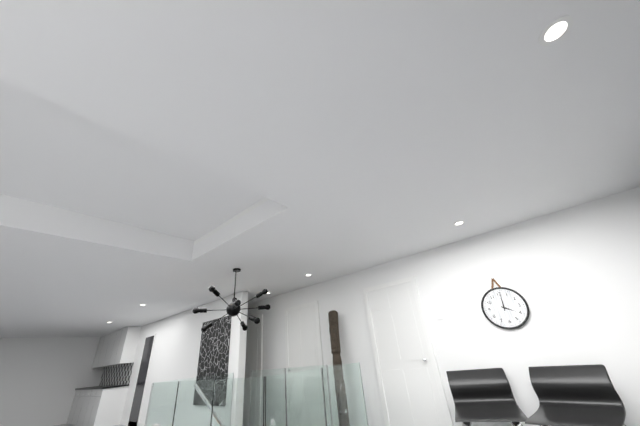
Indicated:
h=4 m=1
